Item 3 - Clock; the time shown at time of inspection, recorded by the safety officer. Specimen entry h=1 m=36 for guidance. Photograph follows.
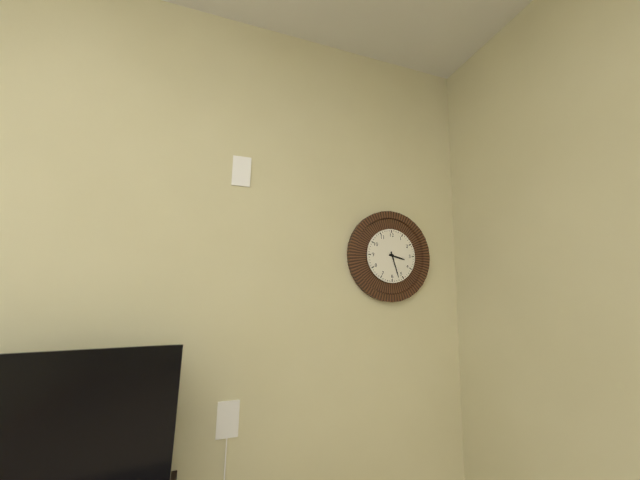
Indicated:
h=3 m=27
